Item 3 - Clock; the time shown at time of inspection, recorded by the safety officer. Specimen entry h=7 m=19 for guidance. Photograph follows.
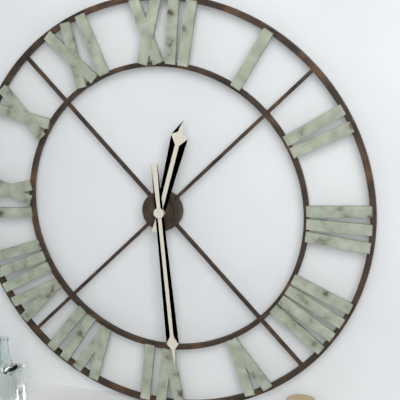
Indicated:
h=12 m=29
